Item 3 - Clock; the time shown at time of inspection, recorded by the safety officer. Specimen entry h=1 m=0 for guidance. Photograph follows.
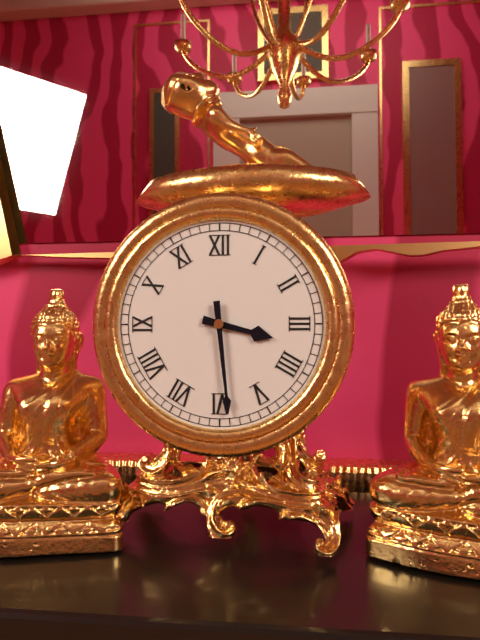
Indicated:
h=3 m=29
